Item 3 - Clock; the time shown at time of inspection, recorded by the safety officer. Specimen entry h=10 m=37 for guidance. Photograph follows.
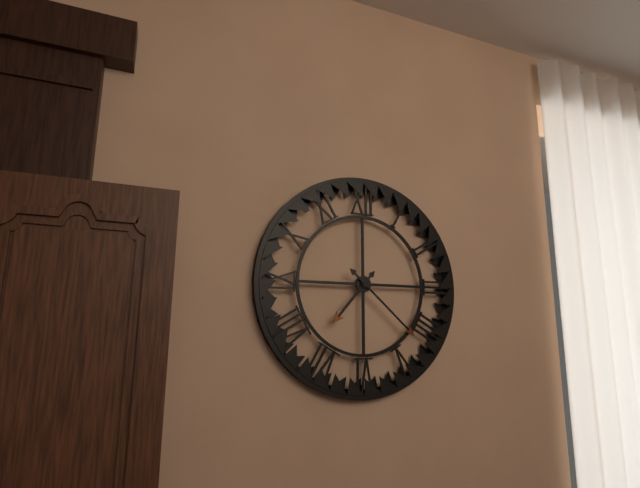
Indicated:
h=7 m=22
